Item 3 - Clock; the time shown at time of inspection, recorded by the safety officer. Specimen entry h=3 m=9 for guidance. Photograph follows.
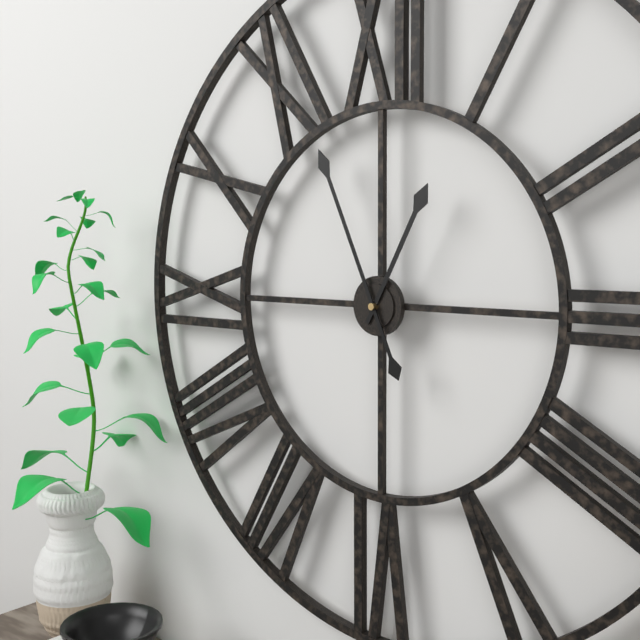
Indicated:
h=12 m=56
